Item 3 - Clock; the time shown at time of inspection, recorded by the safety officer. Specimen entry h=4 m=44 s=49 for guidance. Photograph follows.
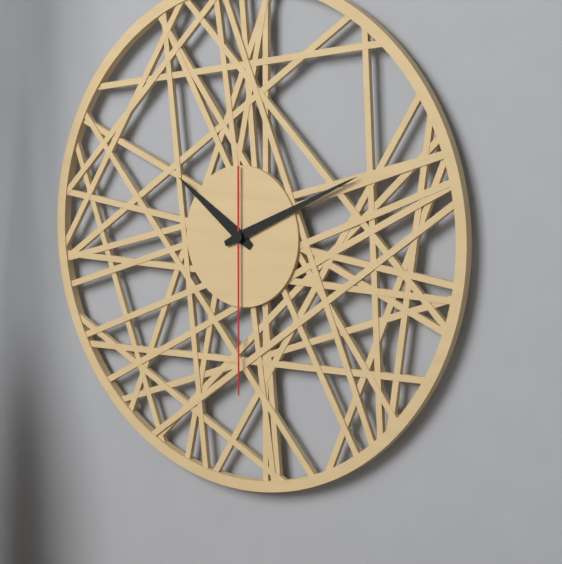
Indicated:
h=10 m=11 s=30
